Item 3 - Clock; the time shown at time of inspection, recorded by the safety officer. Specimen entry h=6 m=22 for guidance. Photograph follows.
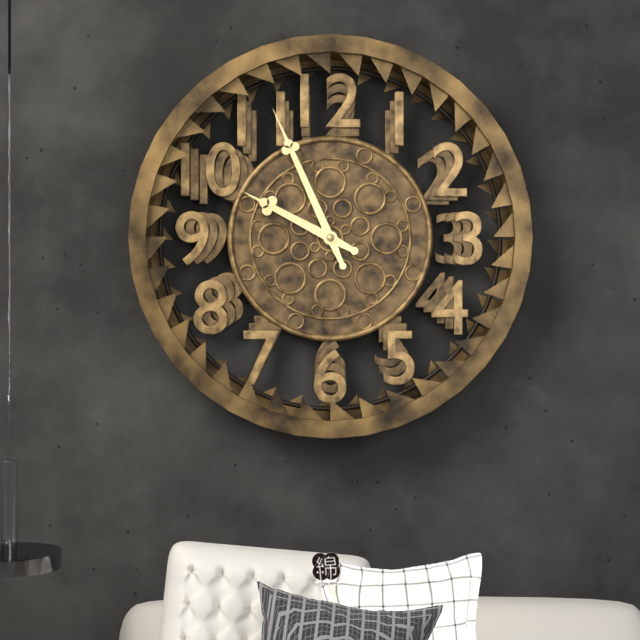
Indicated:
h=9 m=56
